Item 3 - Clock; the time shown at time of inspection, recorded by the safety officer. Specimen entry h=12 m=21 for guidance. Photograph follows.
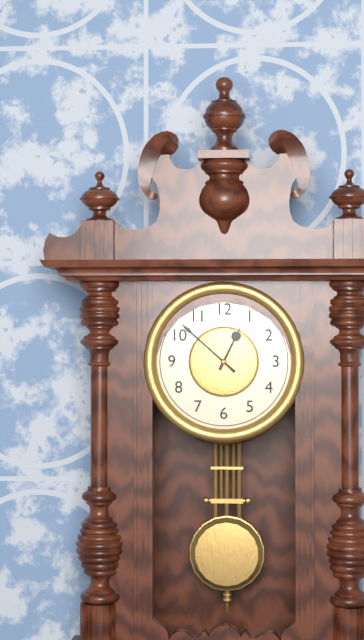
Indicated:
h=12 m=52
